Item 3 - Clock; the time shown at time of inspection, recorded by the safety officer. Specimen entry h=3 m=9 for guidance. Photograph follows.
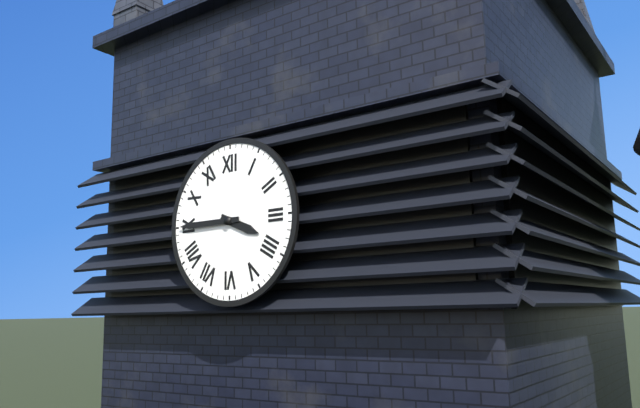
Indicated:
h=3 m=45
